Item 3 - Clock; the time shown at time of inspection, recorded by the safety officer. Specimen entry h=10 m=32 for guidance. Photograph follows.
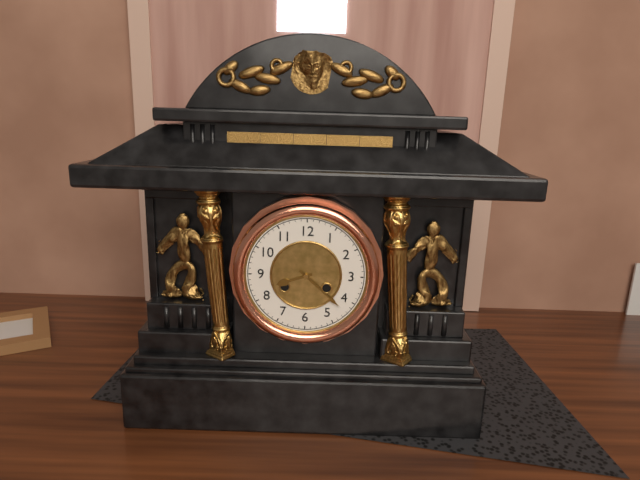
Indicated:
h=8 m=22
